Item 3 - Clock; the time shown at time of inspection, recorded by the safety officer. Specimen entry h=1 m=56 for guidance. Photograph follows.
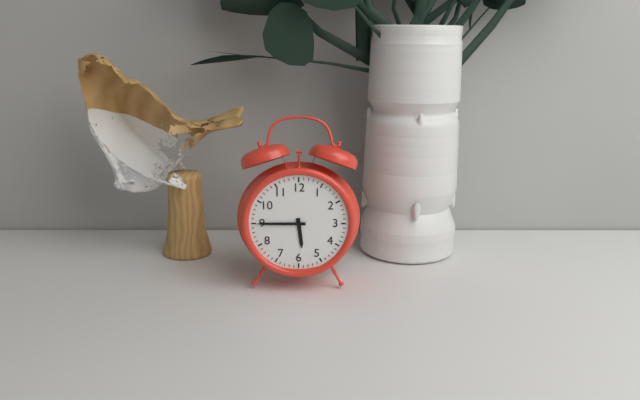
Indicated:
h=5 m=45
